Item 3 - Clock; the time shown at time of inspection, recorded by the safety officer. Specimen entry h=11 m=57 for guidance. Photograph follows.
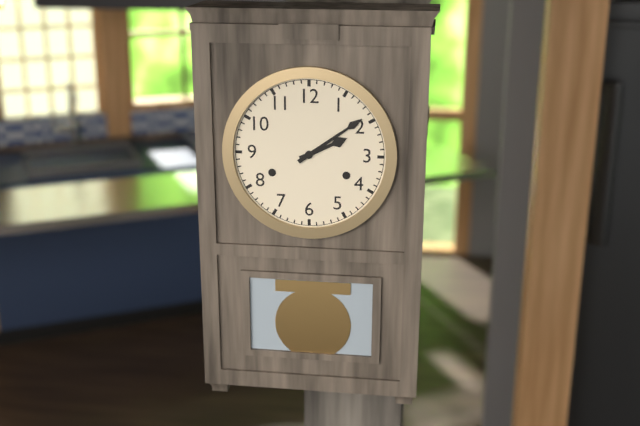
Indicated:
h=2 m=9
